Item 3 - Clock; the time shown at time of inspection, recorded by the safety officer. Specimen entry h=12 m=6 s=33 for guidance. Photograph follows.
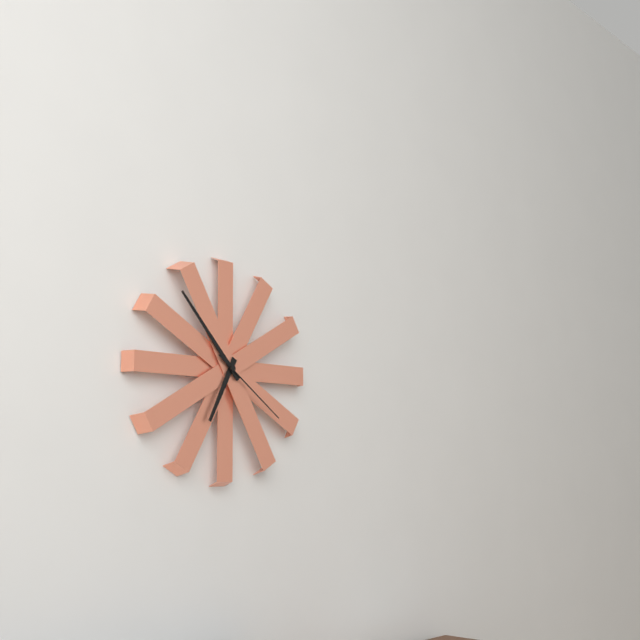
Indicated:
h=6 m=53 s=21
